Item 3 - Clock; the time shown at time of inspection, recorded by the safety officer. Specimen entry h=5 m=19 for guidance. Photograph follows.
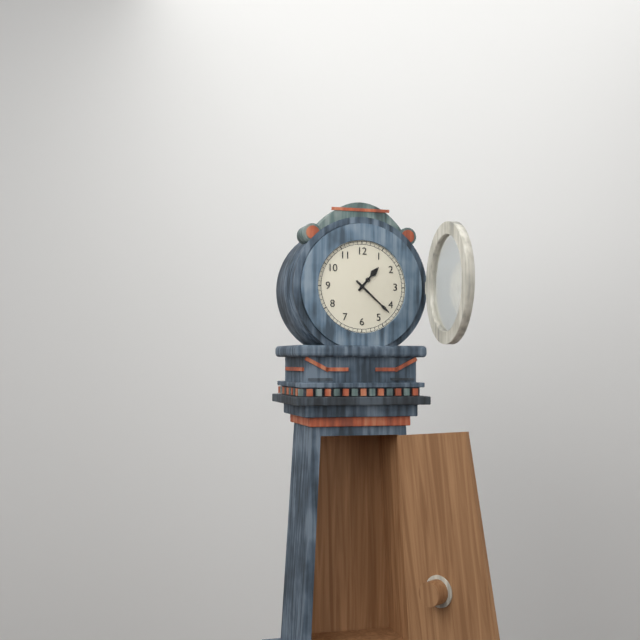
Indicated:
h=1 m=22
